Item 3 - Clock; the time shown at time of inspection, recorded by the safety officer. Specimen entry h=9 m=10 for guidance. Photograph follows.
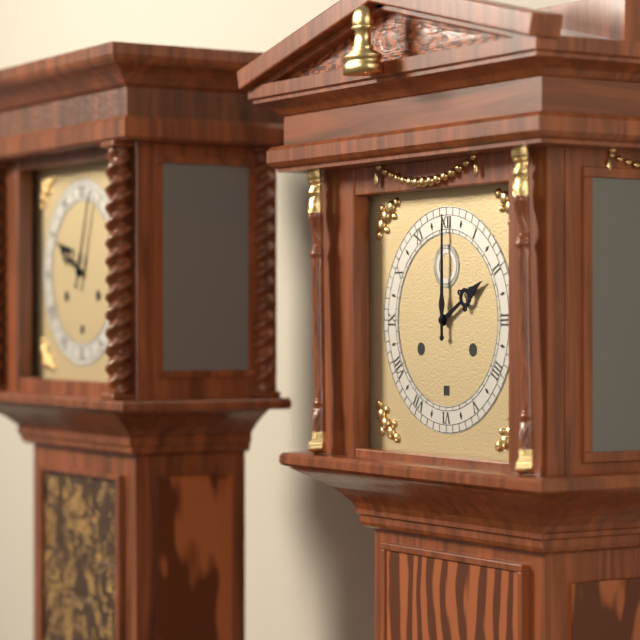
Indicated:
h=2 m=0
